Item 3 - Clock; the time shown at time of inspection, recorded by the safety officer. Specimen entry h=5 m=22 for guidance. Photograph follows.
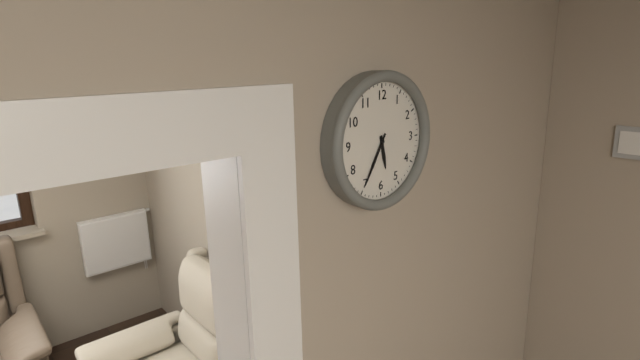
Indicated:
h=5 m=35
